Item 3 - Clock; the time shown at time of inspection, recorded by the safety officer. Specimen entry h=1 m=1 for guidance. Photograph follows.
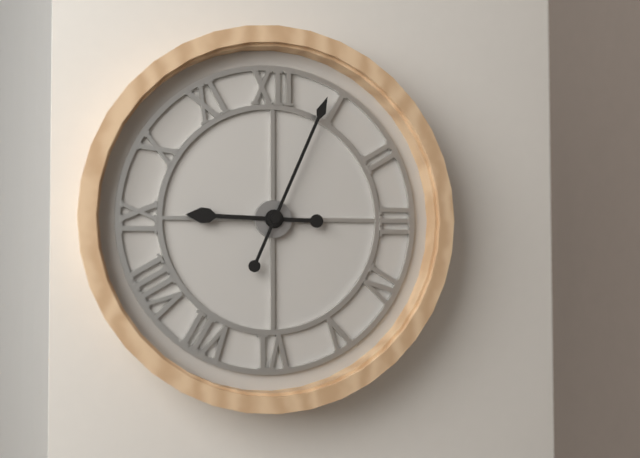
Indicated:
h=9 m=4
